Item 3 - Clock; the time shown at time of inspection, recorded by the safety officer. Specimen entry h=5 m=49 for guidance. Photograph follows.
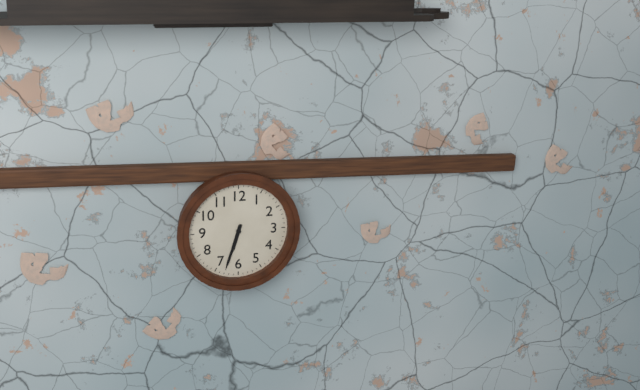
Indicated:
h=6 m=33
